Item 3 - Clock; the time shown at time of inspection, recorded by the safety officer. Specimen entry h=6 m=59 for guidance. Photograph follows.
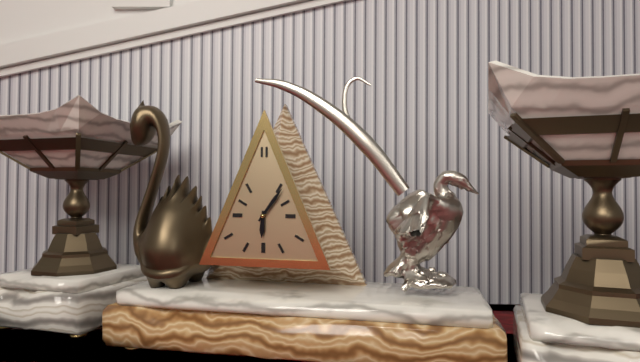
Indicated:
h=6 m=6
